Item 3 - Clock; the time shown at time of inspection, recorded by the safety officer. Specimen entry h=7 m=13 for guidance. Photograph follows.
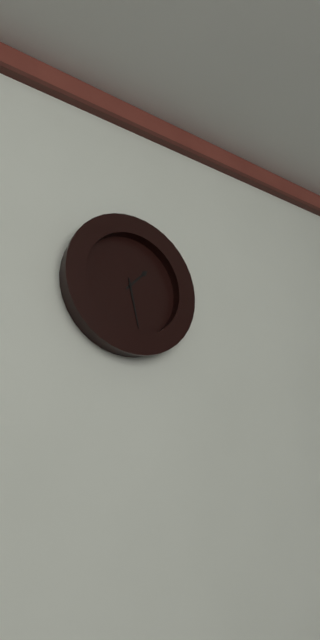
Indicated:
h=1 m=28
